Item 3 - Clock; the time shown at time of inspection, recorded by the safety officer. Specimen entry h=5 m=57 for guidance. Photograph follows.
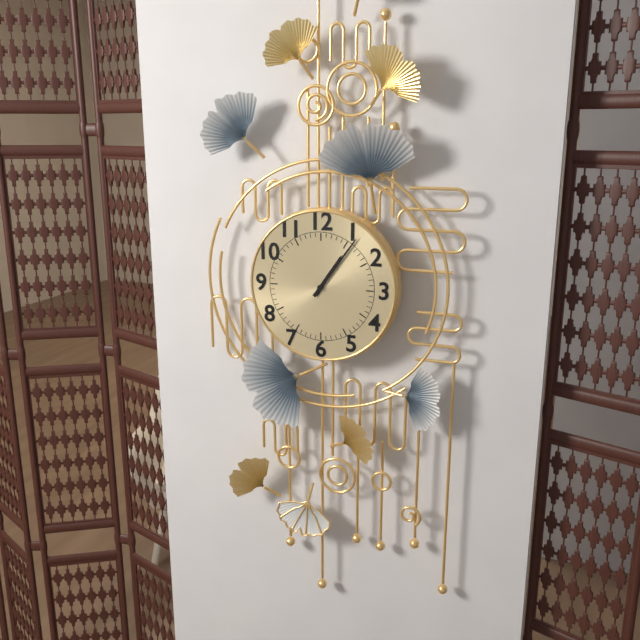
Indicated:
h=1 m=6
